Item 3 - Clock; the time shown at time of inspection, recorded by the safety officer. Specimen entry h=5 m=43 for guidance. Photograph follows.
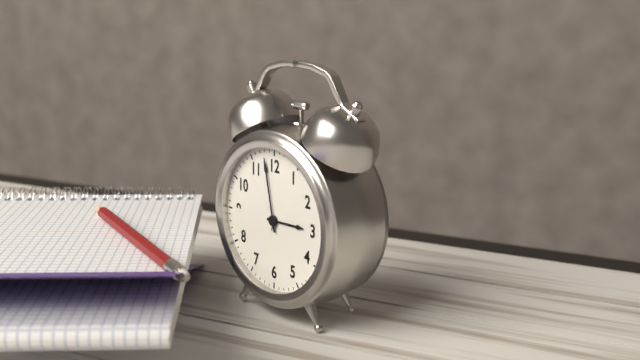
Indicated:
h=2 m=58
